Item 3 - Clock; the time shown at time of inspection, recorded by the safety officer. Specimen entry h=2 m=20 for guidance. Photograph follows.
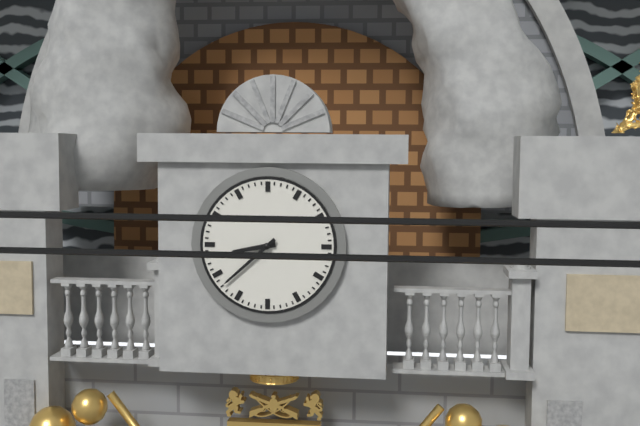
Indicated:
h=8 m=38
